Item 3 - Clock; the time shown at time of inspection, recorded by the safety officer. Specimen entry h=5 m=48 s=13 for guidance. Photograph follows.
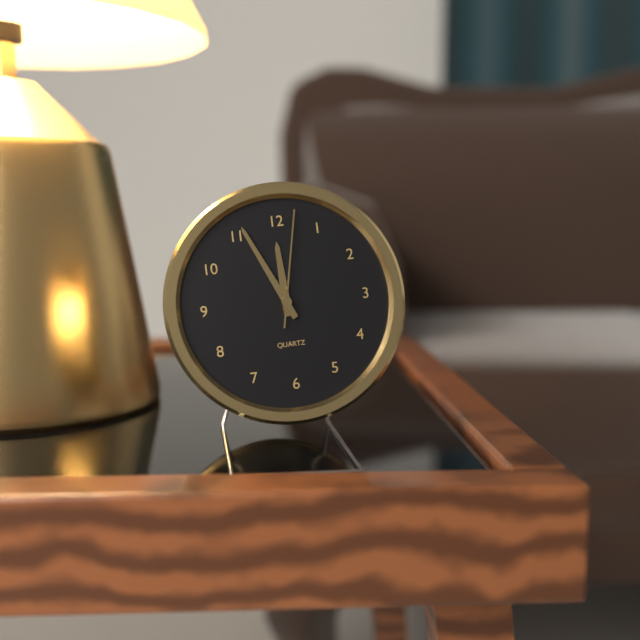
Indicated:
h=11 m=56 s=2
